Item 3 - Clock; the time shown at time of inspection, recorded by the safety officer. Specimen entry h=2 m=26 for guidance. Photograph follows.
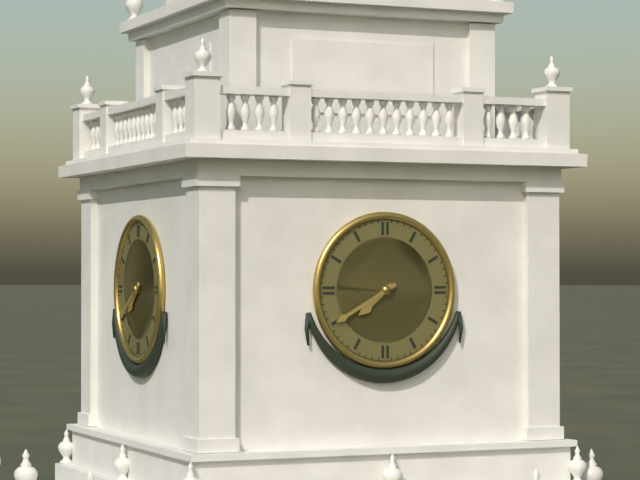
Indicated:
h=7 m=40
